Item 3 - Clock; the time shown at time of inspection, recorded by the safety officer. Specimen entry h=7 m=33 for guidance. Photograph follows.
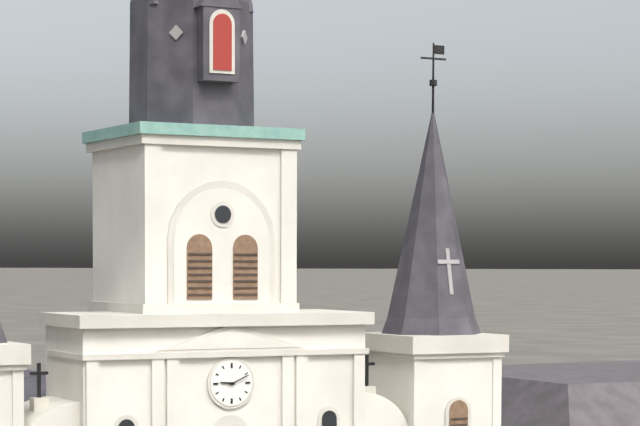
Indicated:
h=9 m=11
